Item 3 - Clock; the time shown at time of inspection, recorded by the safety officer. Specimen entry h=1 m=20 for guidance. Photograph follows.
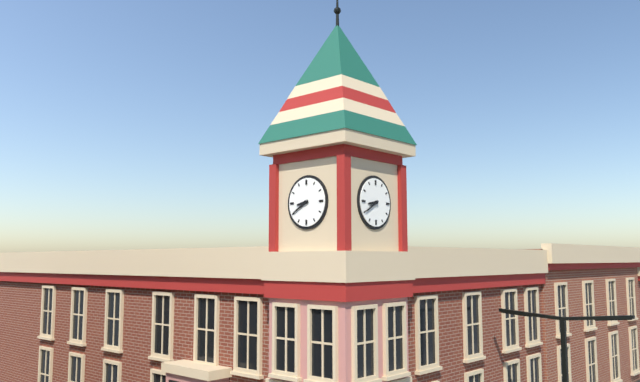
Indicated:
h=8 m=40
